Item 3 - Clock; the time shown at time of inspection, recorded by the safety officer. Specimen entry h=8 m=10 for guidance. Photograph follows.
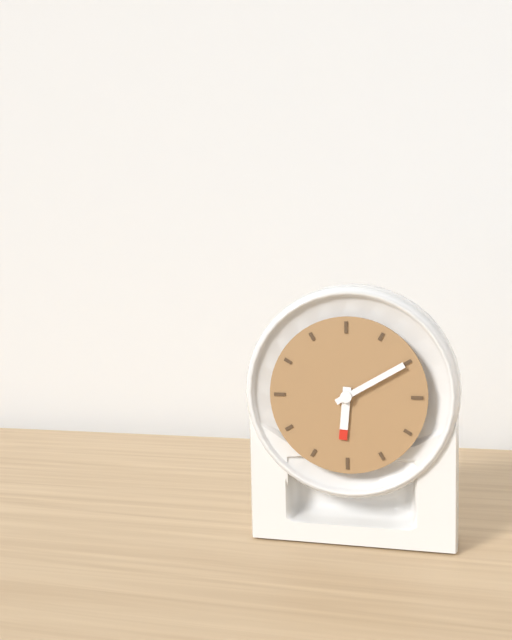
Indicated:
h=6 m=10
